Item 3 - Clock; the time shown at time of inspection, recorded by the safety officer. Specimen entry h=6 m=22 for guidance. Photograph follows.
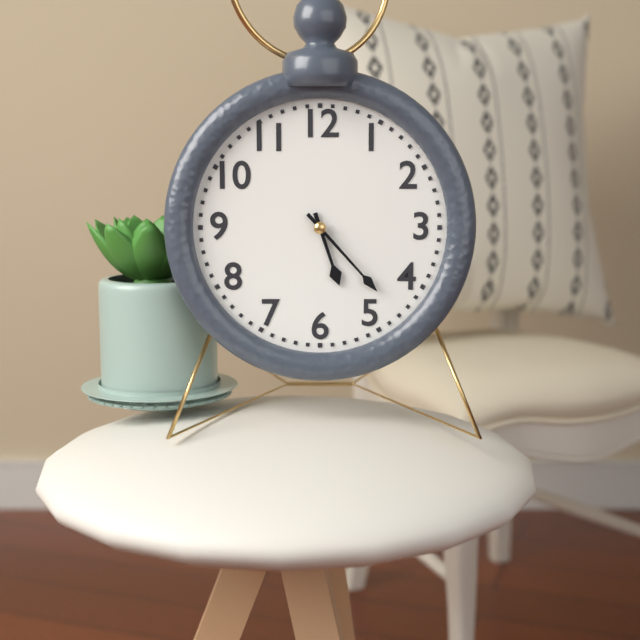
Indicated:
h=5 m=23
